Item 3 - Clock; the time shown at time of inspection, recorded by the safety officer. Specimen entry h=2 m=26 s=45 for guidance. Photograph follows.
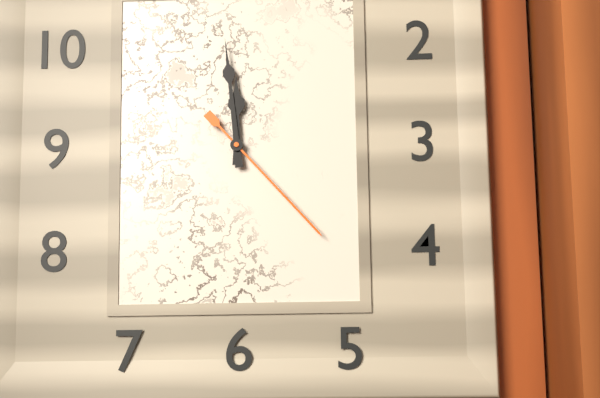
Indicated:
h=11 m=59 s=23
